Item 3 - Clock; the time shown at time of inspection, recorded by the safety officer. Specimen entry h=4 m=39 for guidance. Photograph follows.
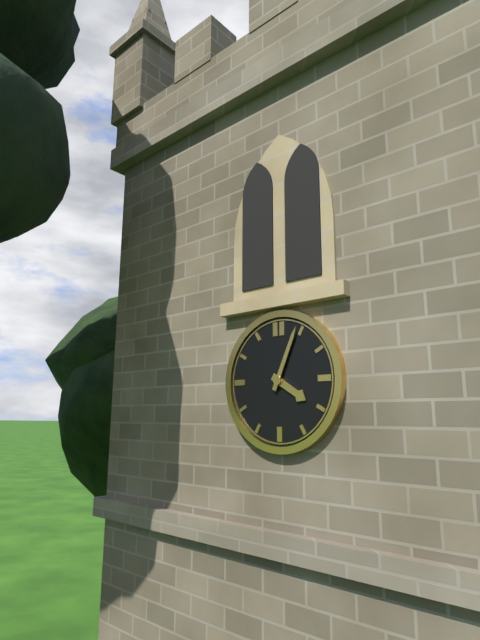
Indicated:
h=4 m=4
